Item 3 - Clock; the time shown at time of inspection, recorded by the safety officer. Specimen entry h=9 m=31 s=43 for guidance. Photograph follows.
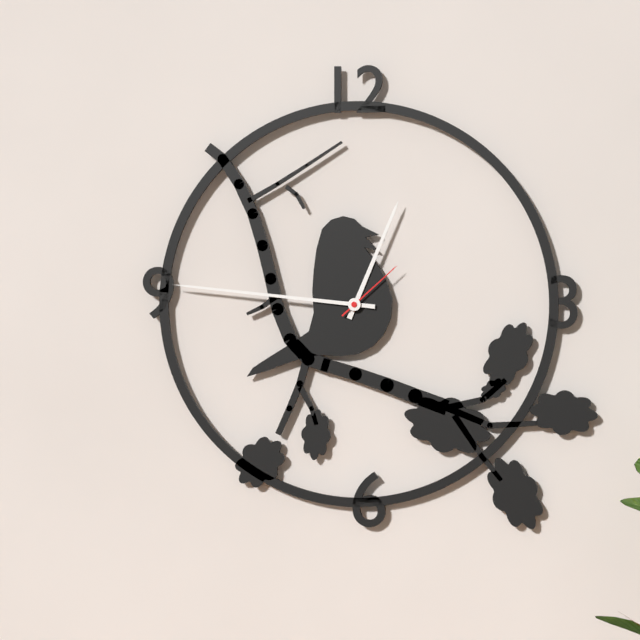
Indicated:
h=12 m=46 s=8
